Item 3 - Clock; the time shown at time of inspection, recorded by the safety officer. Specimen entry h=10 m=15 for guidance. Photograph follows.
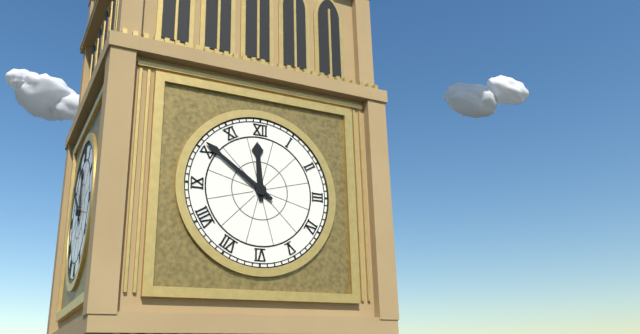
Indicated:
h=11 m=51
